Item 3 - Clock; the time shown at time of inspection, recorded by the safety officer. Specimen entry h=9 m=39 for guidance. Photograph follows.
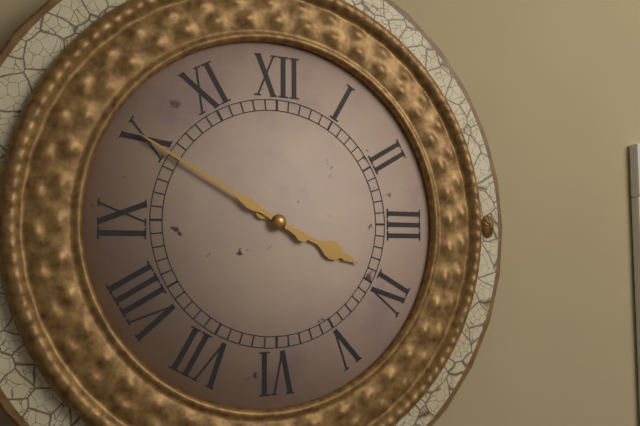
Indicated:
h=3 m=50
